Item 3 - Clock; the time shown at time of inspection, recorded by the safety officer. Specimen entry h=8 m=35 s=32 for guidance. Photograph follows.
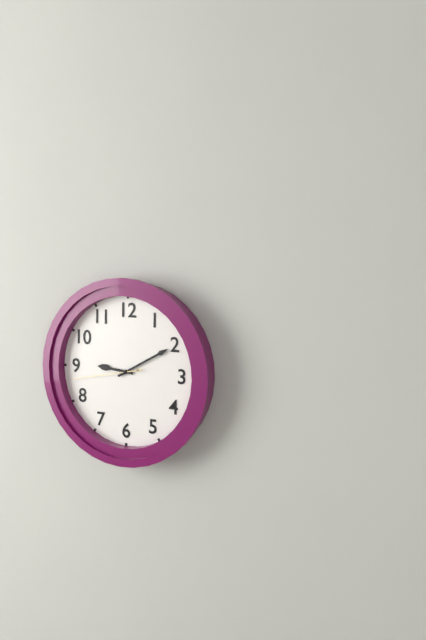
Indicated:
h=9 m=10 s=43
